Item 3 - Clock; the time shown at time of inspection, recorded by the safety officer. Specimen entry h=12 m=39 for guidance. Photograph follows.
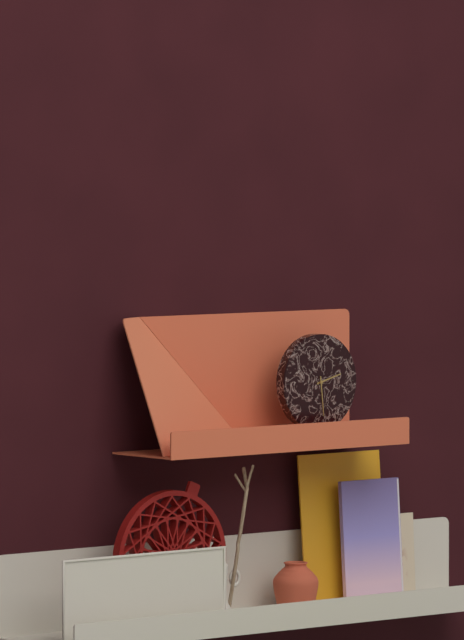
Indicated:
h=2 m=29
